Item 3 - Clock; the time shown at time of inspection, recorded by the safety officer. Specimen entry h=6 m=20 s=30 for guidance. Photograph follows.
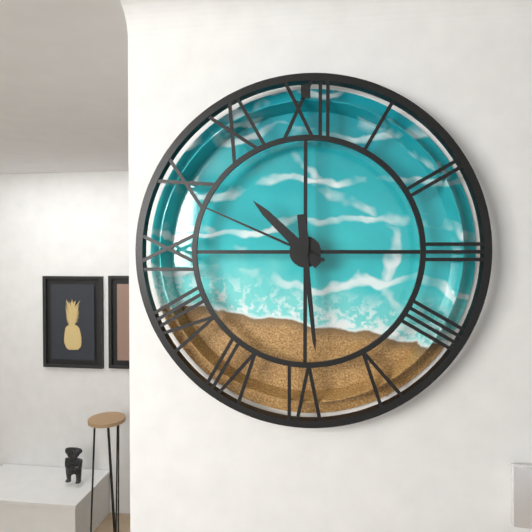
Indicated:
h=10 m=29 s=49
